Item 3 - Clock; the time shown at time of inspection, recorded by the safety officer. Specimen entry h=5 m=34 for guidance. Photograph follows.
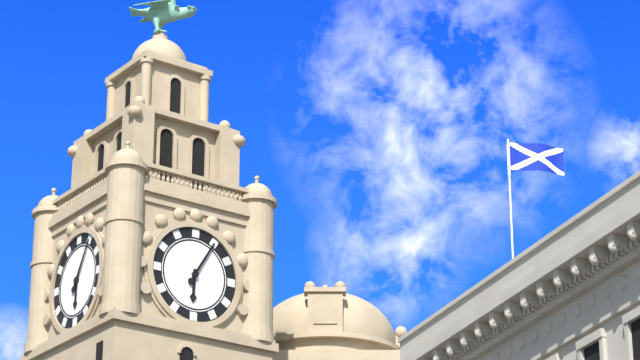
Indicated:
h=6 m=5
